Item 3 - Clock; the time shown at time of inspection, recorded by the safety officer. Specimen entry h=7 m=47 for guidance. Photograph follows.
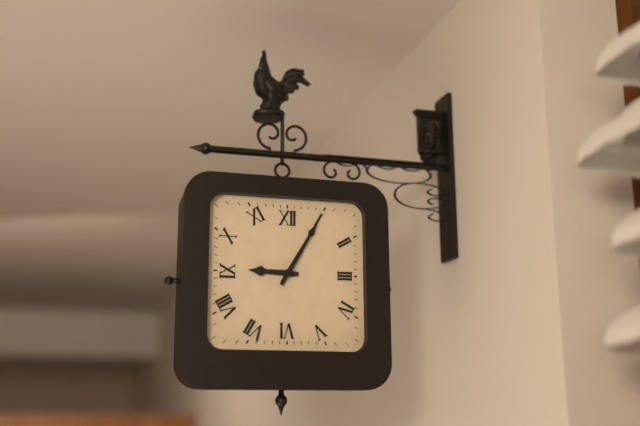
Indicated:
h=9 m=5
